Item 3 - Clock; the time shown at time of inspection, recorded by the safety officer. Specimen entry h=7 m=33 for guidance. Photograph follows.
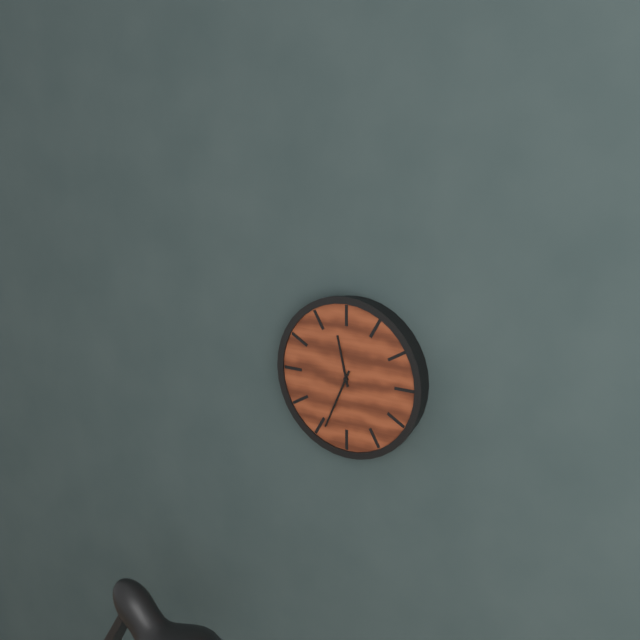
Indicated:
h=11 m=34
